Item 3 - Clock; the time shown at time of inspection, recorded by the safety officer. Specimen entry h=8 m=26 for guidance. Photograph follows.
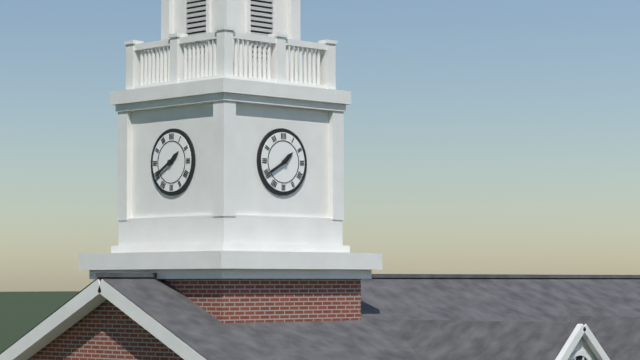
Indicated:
h=1 m=40
